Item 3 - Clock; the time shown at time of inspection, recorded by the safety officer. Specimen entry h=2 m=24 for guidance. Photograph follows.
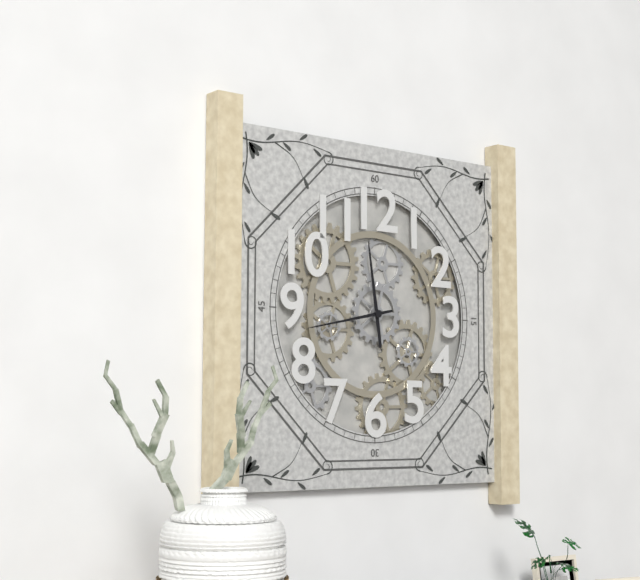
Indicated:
h=11 m=43
